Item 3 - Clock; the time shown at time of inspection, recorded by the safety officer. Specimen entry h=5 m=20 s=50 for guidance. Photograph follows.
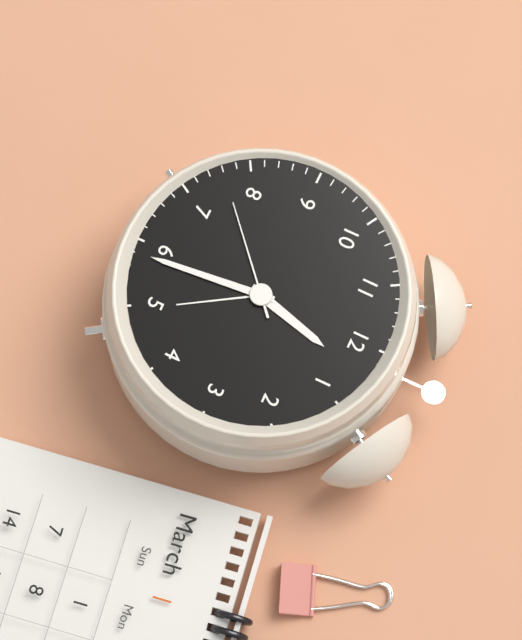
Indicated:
h=12 m=29 s=38
